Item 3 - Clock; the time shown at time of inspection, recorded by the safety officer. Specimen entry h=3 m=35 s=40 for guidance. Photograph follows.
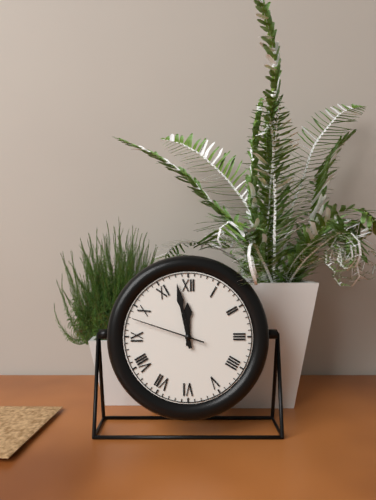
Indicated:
h=11 m=58 s=48
